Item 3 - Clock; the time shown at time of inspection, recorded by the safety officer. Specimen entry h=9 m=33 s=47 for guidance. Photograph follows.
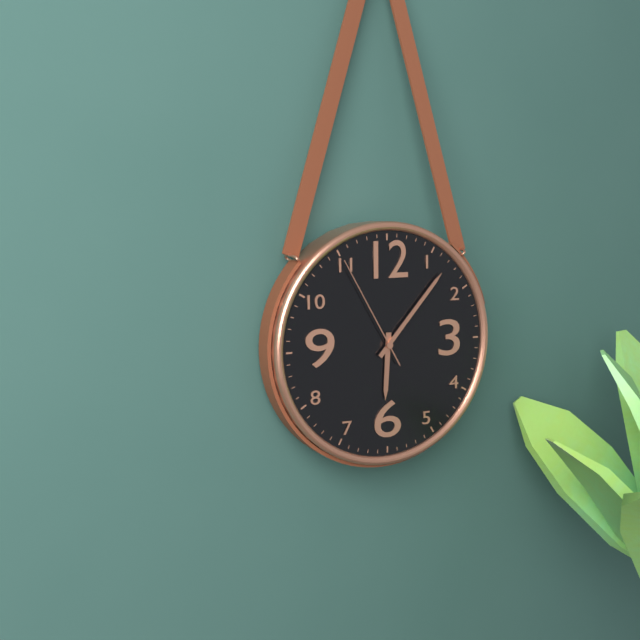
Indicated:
h=6 m=7 s=55
